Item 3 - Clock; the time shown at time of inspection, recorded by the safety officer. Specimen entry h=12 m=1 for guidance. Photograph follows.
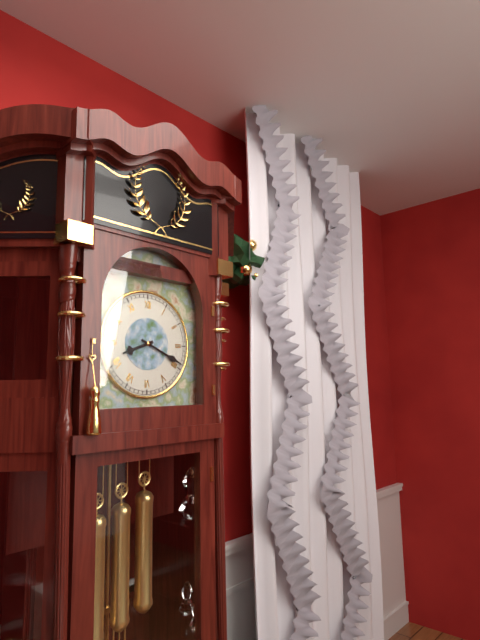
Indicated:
h=8 m=19
